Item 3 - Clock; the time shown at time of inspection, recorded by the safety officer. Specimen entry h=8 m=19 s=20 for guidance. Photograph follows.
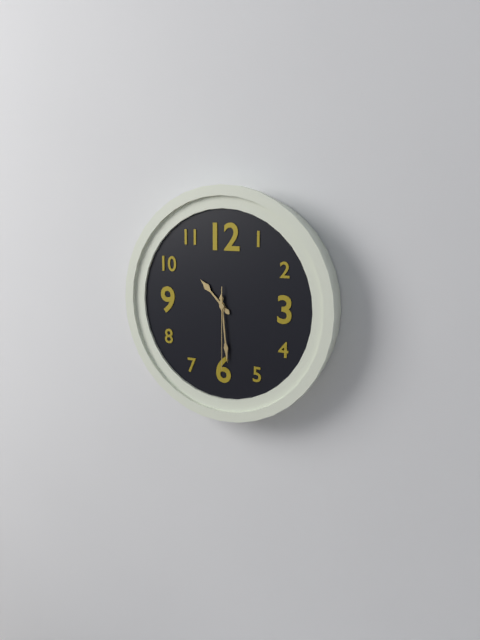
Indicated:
h=10 m=29 s=30
